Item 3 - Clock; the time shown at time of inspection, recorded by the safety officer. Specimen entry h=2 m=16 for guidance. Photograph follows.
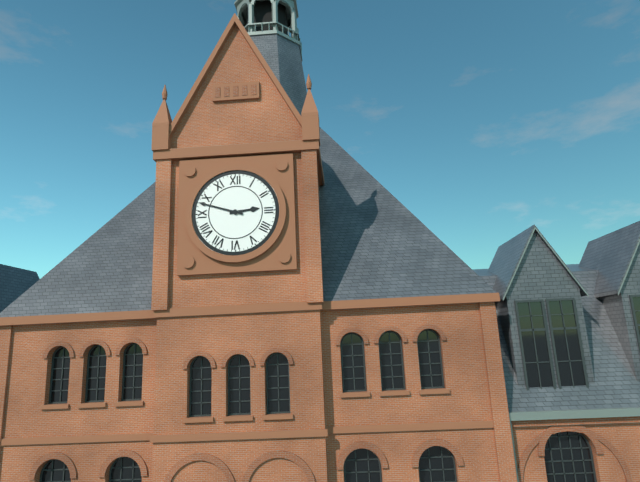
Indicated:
h=2 m=48
